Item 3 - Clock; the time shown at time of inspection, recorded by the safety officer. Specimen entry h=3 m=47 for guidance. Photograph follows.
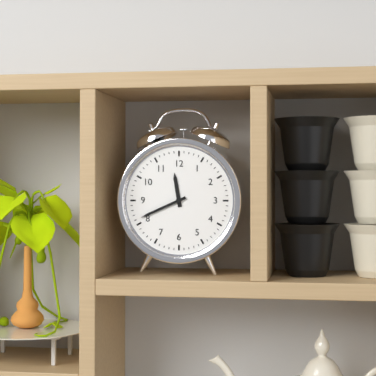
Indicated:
h=11 m=41
